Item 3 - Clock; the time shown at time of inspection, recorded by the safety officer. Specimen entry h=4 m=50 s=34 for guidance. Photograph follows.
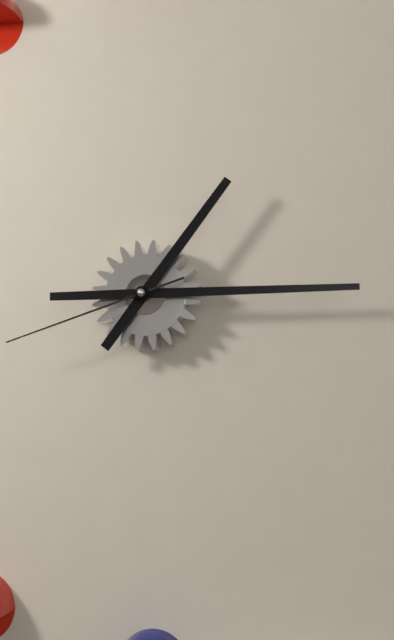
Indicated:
h=1 m=15 s=42
